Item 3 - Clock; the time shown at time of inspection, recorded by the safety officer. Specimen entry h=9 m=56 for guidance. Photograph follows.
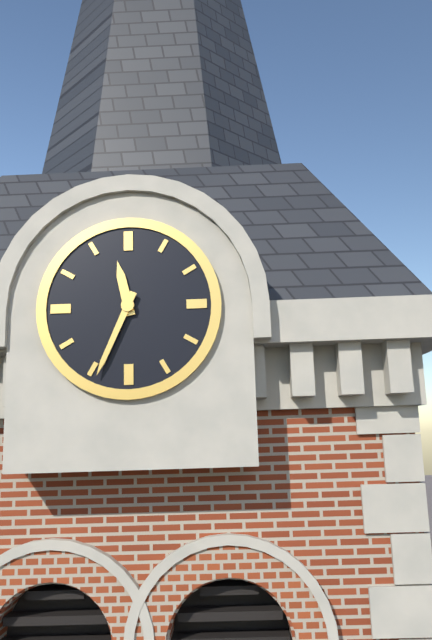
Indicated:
h=11 m=34
